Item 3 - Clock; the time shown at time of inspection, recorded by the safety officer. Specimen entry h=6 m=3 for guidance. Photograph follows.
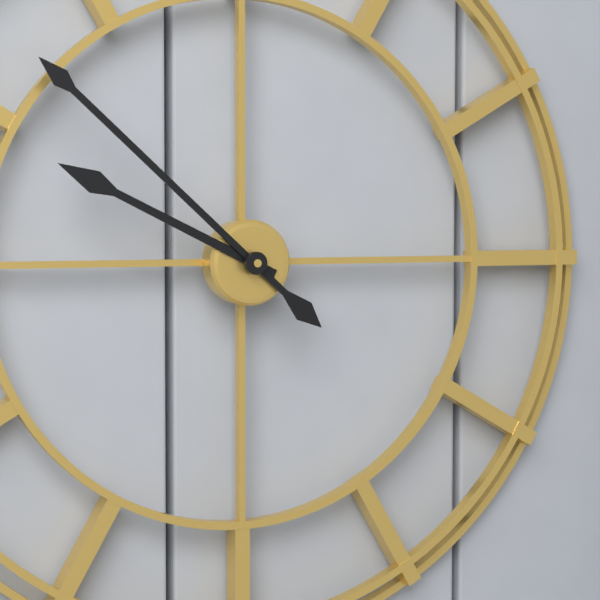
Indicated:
h=9 m=52
